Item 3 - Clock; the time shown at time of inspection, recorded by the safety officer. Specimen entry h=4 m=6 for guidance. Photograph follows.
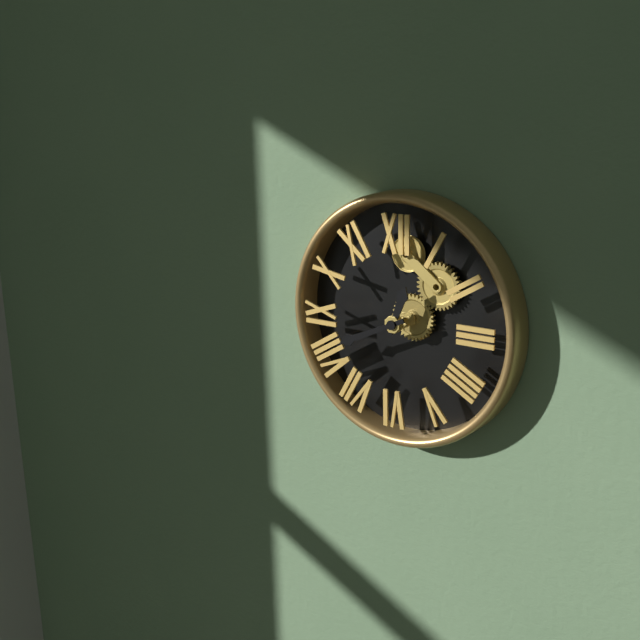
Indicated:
h=12 m=41
